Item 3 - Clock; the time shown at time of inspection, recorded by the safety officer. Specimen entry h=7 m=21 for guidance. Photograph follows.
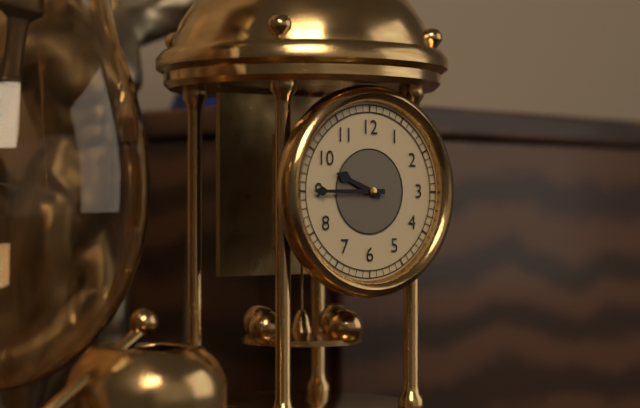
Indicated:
h=9 m=45
